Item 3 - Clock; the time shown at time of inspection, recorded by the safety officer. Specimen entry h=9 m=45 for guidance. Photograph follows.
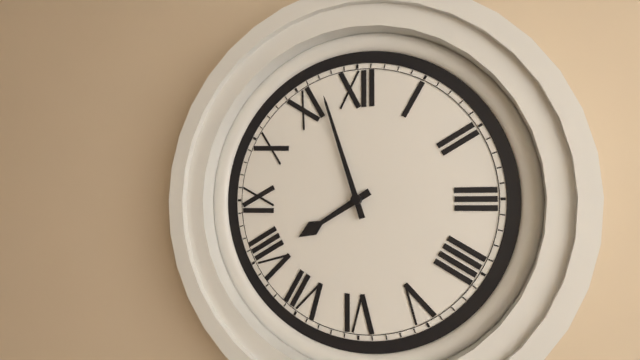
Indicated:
h=7 m=57
